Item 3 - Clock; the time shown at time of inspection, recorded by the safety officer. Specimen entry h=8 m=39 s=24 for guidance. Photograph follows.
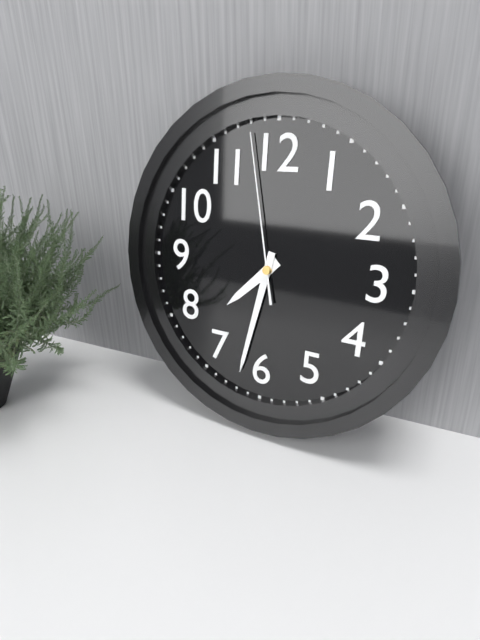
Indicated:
h=7 m=32 s=58
